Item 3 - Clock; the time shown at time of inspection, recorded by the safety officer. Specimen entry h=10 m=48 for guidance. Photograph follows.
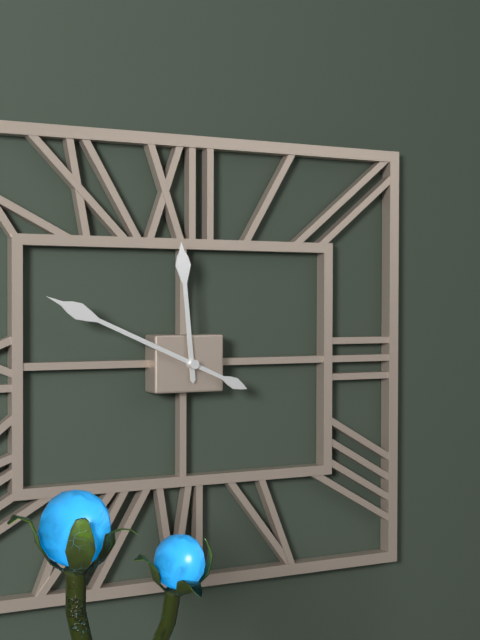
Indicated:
h=11 m=49
